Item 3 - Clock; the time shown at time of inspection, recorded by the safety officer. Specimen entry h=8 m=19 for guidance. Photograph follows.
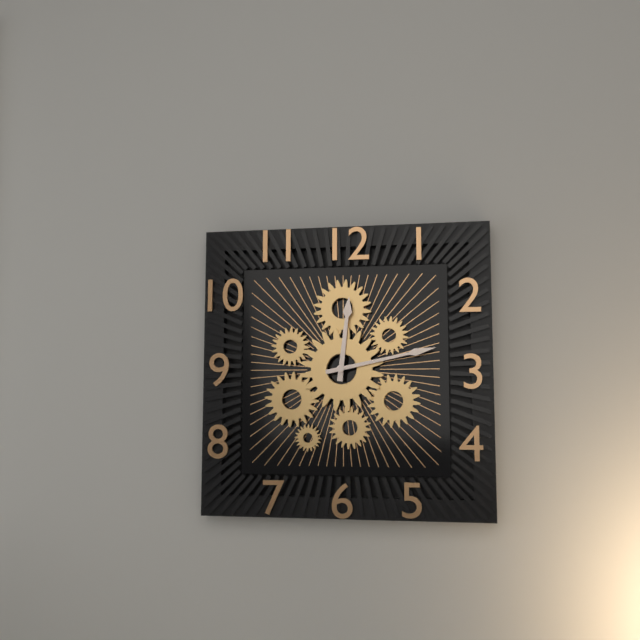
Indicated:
h=12 m=13
